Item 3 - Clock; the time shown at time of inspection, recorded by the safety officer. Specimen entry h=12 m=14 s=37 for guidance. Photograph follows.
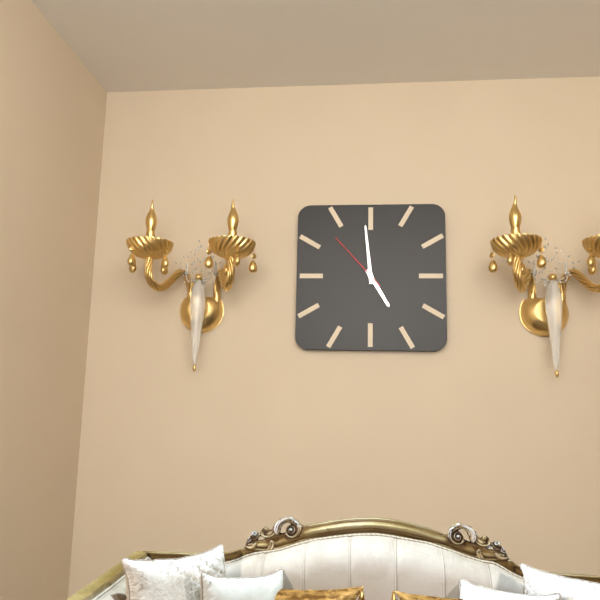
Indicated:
h=4 m=59 s=53
